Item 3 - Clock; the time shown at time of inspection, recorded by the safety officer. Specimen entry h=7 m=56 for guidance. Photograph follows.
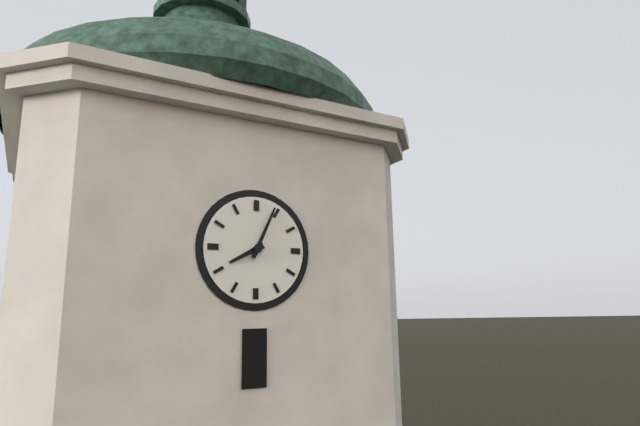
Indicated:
h=8 m=4
